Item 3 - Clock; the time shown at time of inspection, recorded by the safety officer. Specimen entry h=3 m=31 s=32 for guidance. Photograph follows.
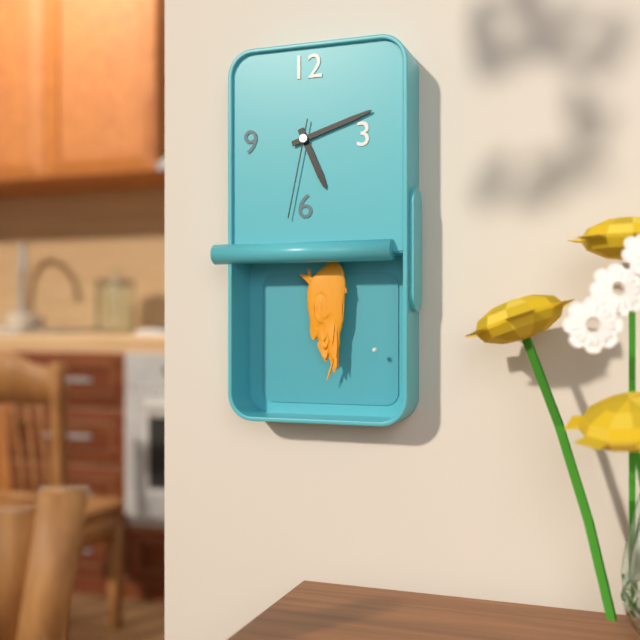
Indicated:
h=5 m=12 s=32
